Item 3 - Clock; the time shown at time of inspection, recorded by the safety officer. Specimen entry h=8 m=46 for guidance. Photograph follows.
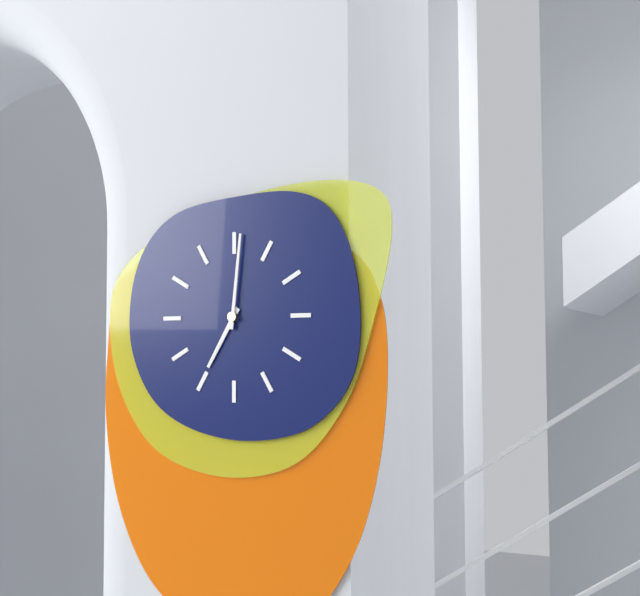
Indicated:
h=7 m=1
